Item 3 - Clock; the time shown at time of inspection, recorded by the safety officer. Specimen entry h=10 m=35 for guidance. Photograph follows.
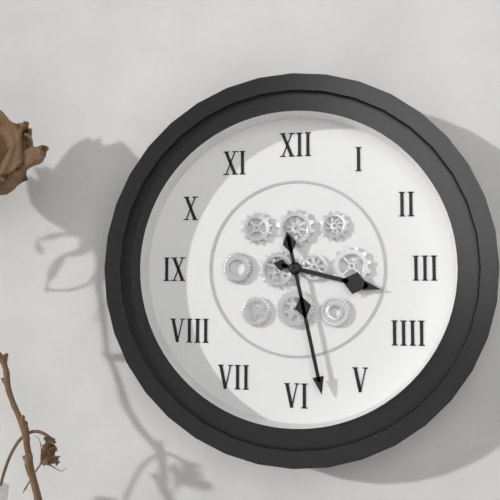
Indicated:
h=3 m=28
